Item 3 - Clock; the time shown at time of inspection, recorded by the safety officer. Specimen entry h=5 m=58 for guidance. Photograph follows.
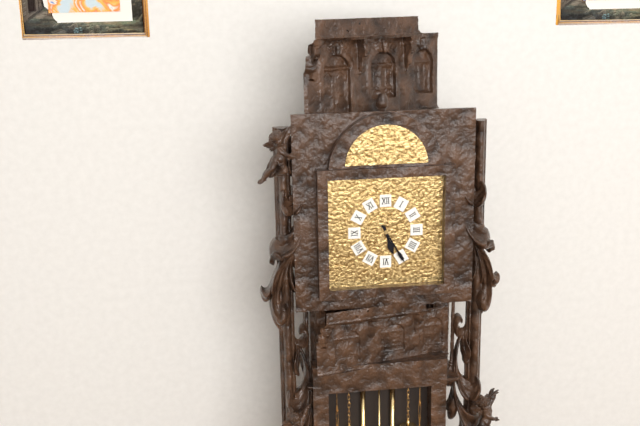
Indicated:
h=5 m=25
